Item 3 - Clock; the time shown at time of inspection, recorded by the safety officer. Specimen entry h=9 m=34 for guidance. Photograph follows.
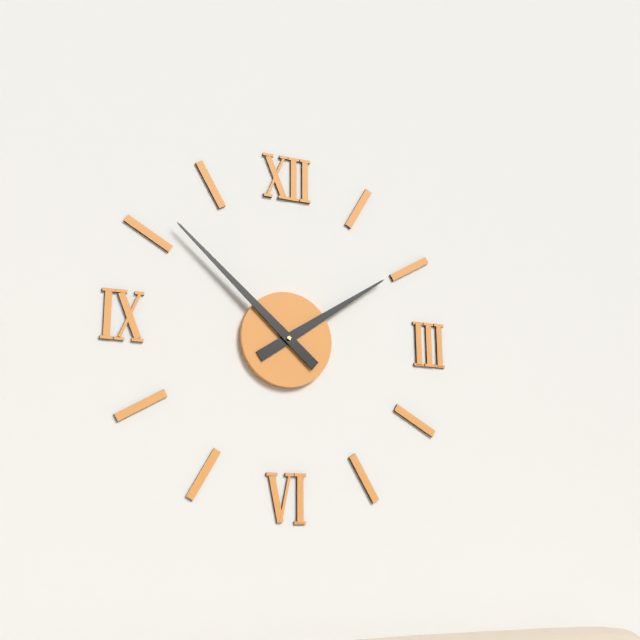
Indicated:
h=1 m=52
